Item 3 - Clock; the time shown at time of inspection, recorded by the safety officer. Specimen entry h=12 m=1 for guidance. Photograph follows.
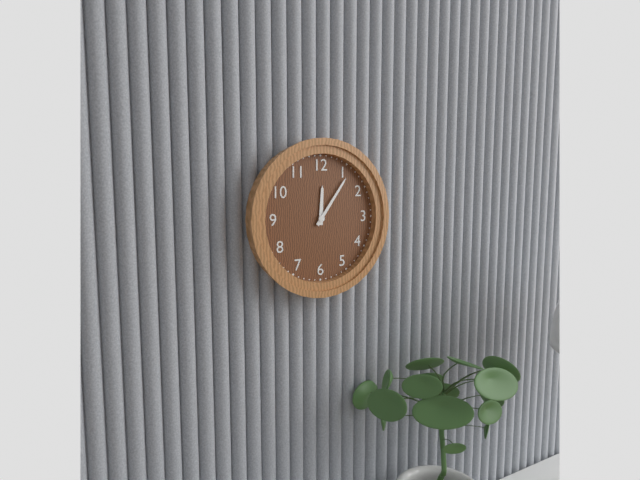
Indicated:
h=12 m=6
